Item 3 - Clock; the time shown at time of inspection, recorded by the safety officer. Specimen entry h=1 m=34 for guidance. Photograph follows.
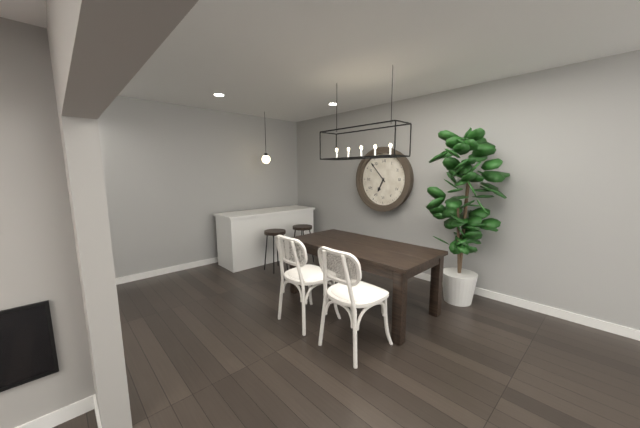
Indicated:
h=6 m=53
